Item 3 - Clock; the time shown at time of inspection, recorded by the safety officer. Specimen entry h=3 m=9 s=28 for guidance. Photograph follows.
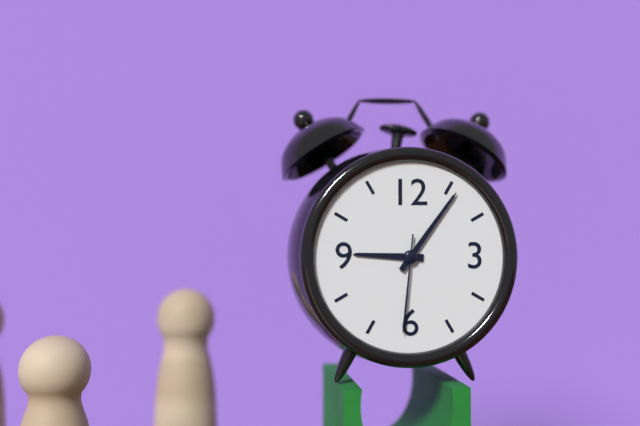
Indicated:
h=9 m=6 s=31
